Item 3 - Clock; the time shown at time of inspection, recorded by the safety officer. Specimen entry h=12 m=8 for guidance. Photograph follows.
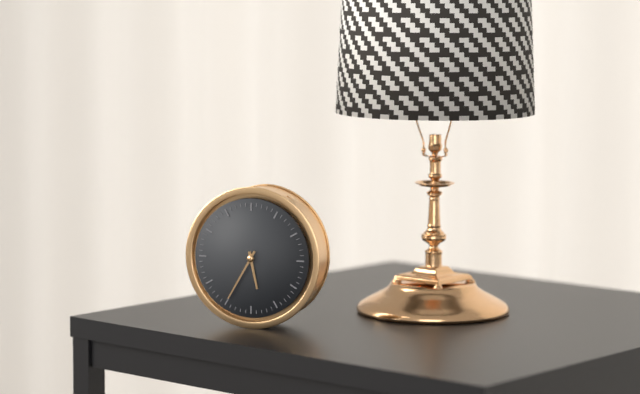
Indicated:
h=5 m=35
